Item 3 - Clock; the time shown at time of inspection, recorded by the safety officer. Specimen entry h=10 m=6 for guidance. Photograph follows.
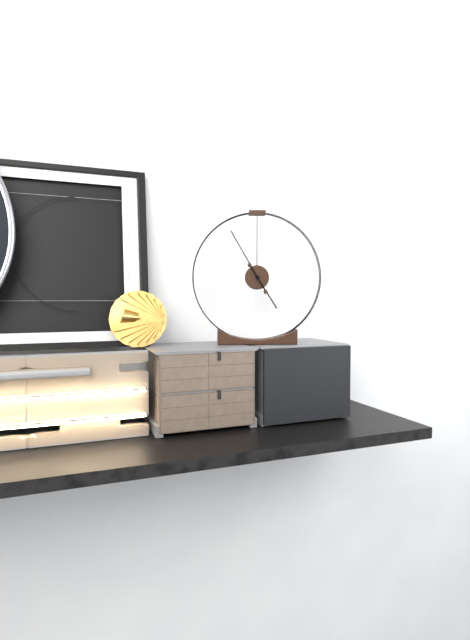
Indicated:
h=4 m=55
